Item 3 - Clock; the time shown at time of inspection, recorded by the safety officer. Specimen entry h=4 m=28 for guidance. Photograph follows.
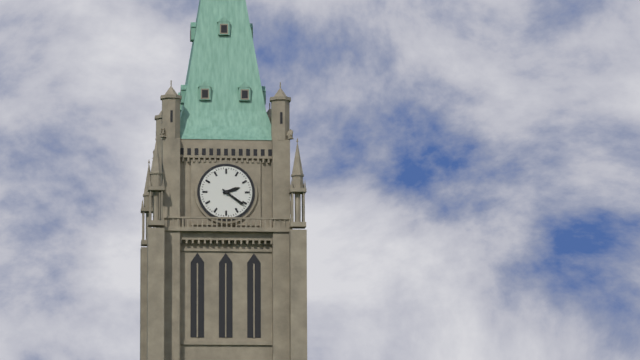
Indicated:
h=2 m=21
